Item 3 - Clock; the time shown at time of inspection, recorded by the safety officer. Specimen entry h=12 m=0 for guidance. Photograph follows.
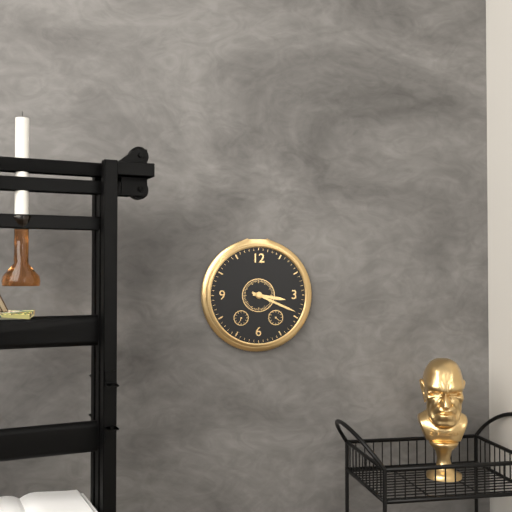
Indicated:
h=3 m=19
